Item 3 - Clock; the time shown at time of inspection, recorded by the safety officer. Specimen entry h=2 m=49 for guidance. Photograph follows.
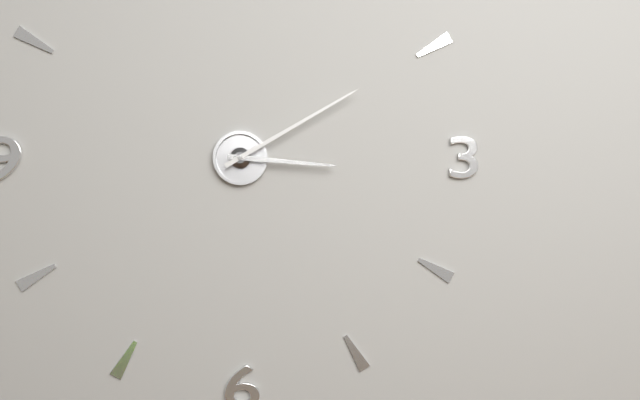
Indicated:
h=3 m=10
